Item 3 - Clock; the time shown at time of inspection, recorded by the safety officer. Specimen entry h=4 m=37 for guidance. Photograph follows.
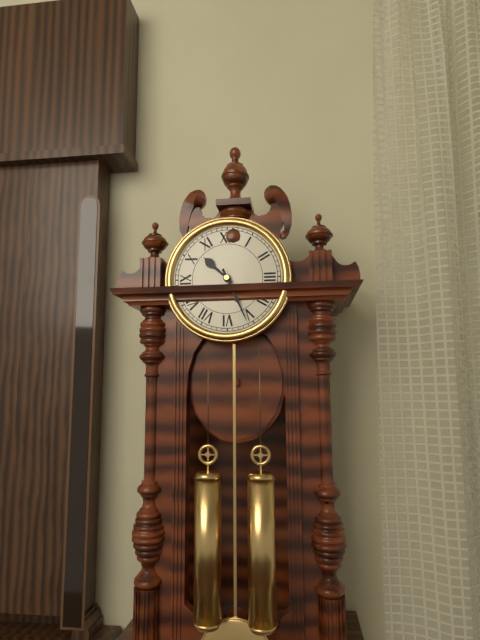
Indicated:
h=10 m=26
